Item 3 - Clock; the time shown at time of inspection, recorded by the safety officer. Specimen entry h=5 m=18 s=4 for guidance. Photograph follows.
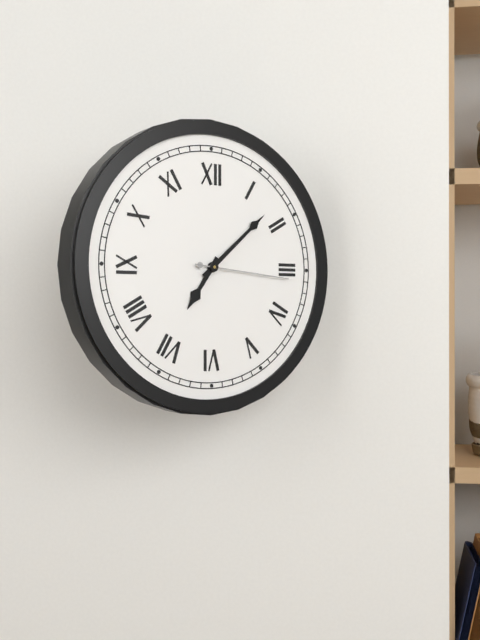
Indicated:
h=7 m=8 s=16
